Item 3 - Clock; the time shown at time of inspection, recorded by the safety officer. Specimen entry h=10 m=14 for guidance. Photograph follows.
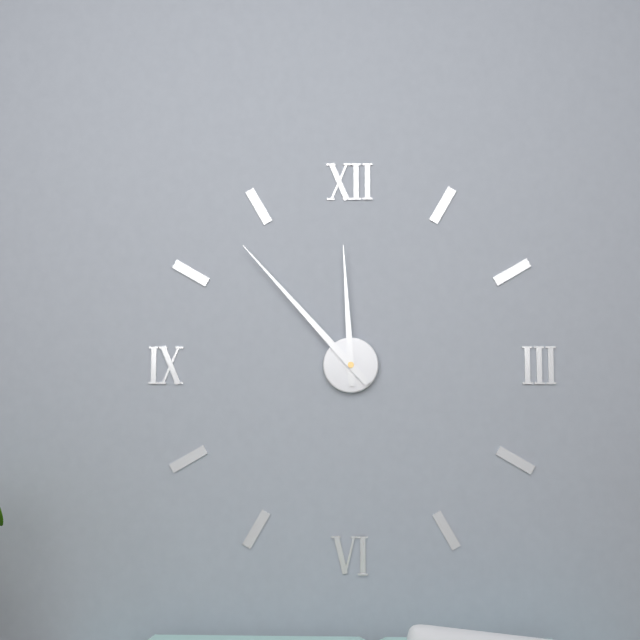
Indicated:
h=11 m=53
